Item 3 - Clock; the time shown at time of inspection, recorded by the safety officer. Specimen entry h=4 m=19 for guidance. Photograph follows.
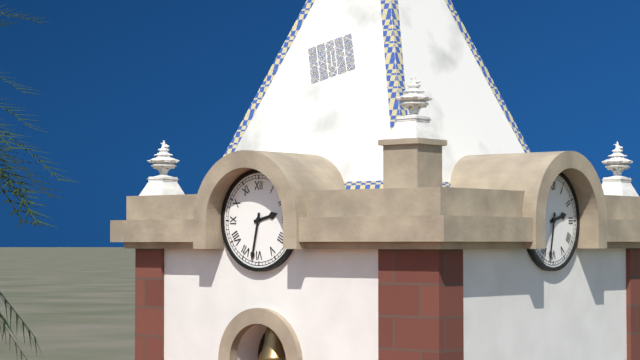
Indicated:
h=2 m=32
